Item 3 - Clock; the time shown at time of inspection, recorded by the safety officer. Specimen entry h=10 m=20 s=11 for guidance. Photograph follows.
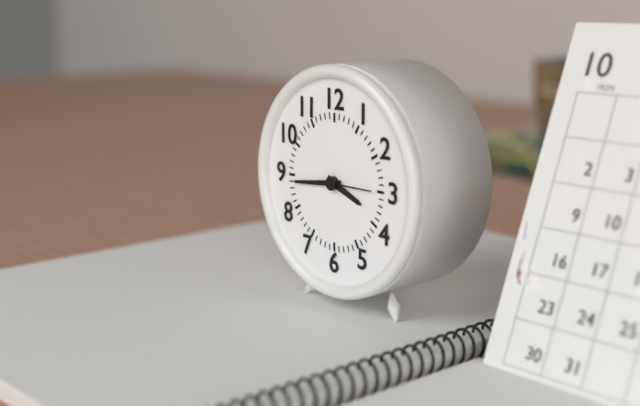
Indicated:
h=3 m=44 s=15
